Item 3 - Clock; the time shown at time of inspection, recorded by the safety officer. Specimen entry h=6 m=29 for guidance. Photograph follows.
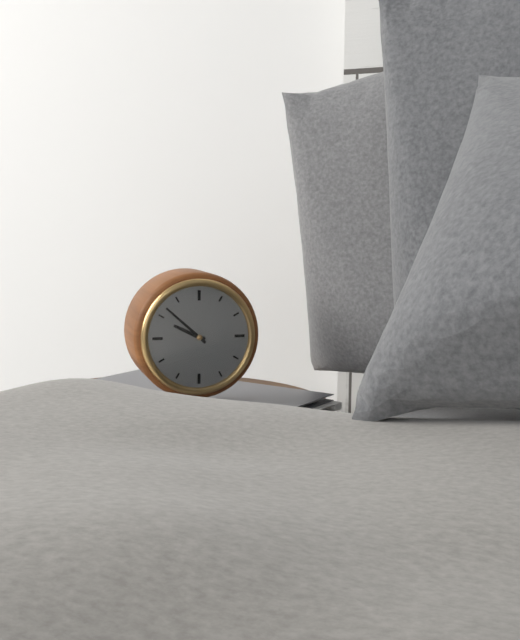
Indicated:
h=9 m=52
